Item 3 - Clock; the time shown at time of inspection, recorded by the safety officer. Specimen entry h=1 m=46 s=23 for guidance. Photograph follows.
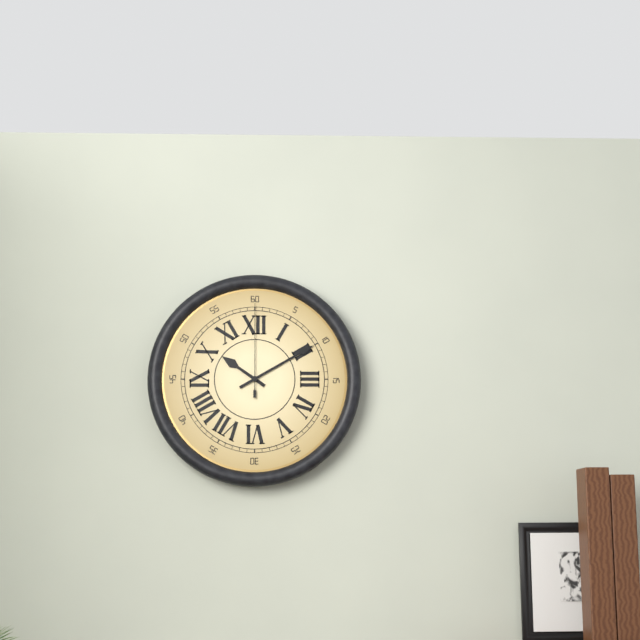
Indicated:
h=10 m=10 s=0
